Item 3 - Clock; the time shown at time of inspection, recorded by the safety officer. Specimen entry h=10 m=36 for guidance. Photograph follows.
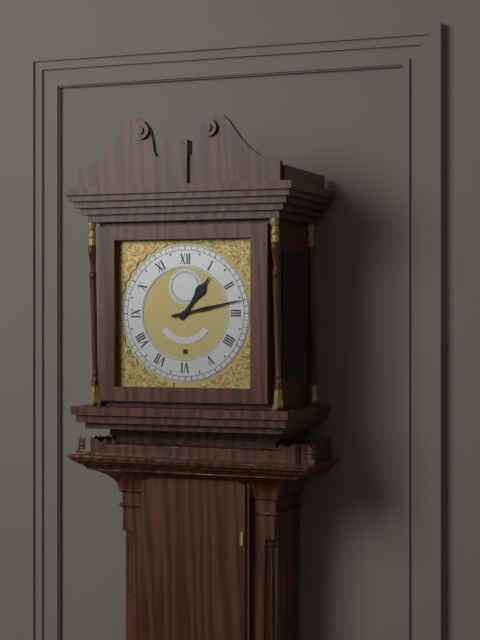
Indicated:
h=1 m=13
